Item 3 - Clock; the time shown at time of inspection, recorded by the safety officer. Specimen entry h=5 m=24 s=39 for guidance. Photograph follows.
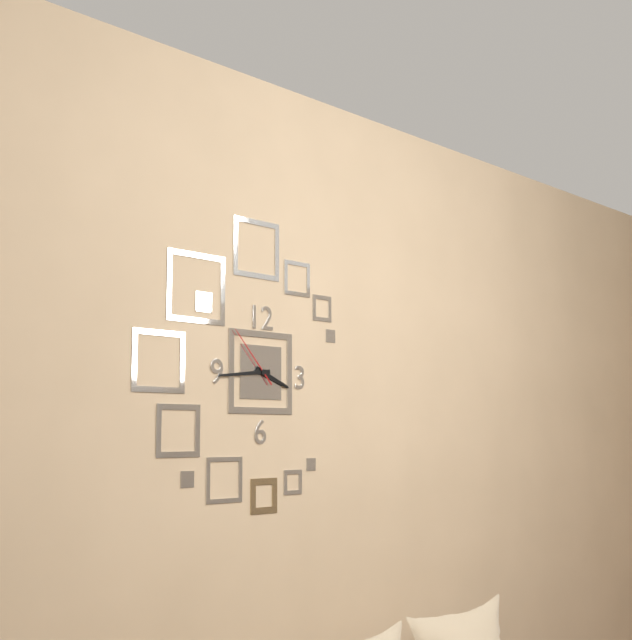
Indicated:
h=3 m=44 s=53
